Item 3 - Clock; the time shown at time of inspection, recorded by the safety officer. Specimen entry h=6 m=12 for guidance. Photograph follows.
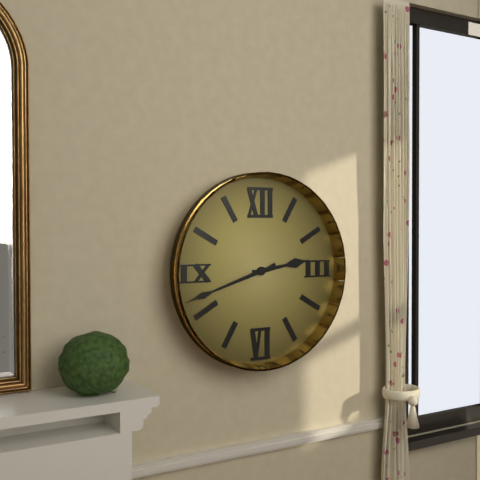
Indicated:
h=2 m=42
